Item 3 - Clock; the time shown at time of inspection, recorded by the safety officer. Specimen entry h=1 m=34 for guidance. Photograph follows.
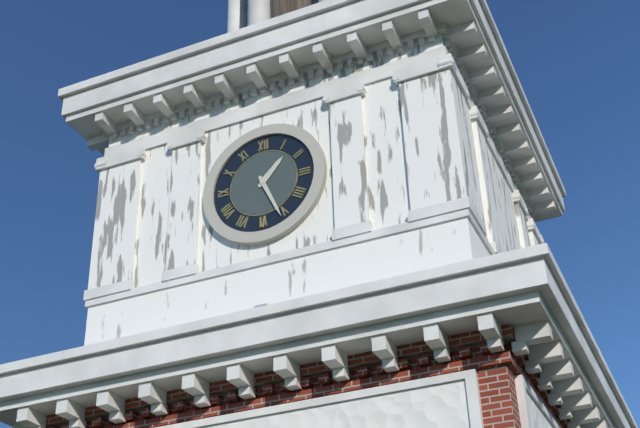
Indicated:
h=1 m=26
